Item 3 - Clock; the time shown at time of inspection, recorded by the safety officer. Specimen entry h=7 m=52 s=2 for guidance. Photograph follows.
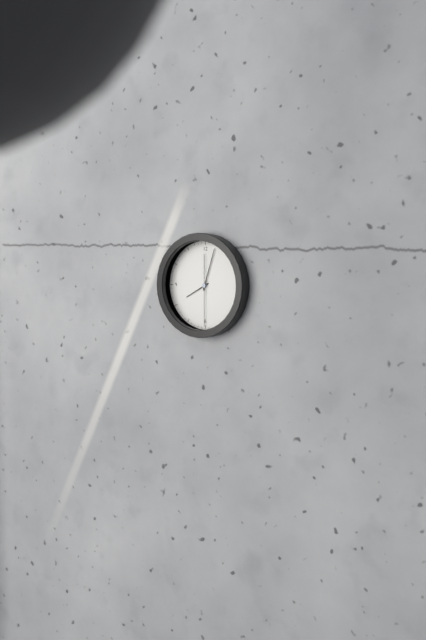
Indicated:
h=8 m=3 s=30
